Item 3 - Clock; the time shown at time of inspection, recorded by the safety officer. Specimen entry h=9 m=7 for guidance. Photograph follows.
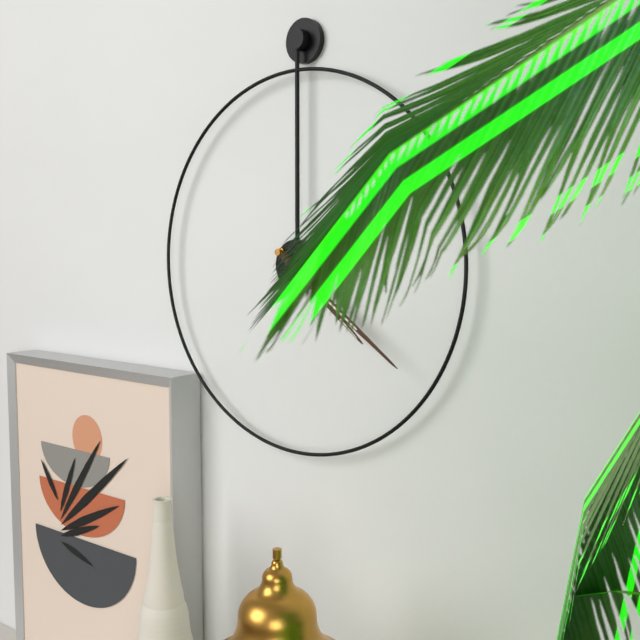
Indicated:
h=4 m=21
